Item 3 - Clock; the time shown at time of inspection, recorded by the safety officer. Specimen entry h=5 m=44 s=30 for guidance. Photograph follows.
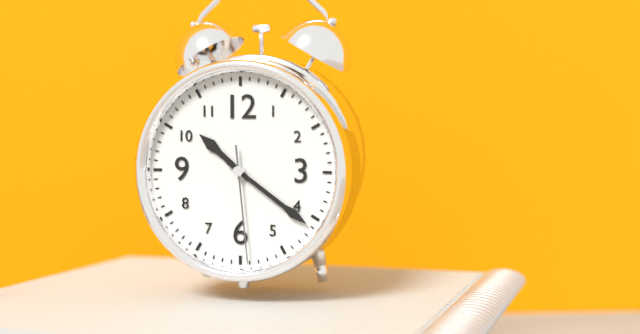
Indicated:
h=10 m=21 s=29
